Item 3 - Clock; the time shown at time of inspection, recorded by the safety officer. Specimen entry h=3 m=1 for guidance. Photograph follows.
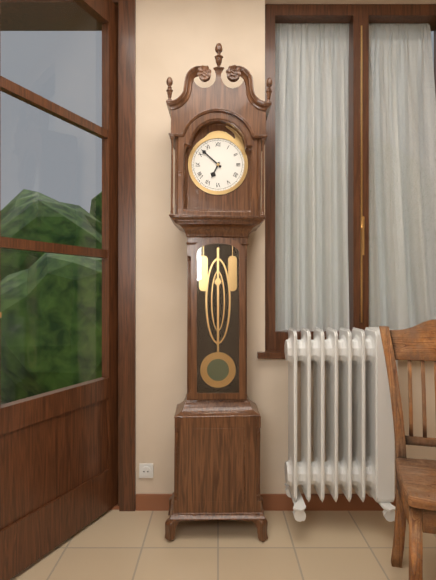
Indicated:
h=6 m=52
